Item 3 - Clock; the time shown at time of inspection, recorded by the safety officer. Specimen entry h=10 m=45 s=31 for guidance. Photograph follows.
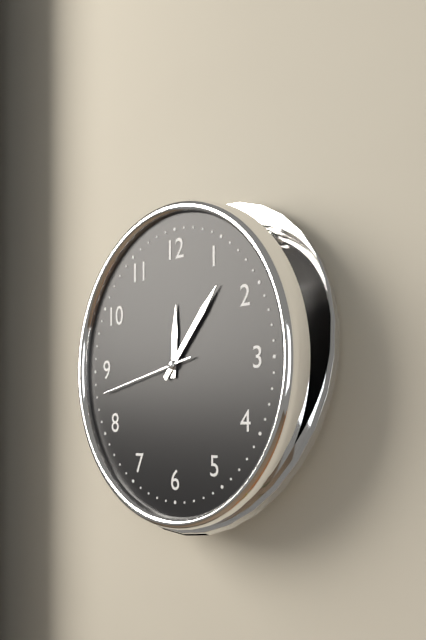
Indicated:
h=12 m=7 s=43
